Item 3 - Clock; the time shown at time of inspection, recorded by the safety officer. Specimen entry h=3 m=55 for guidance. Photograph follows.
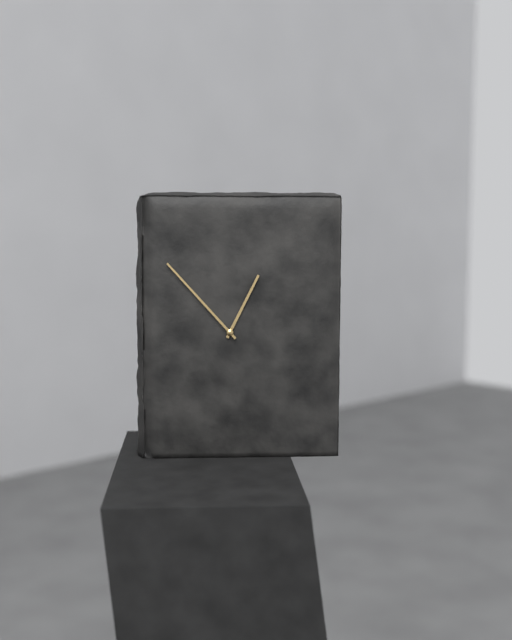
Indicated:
h=12 m=53
